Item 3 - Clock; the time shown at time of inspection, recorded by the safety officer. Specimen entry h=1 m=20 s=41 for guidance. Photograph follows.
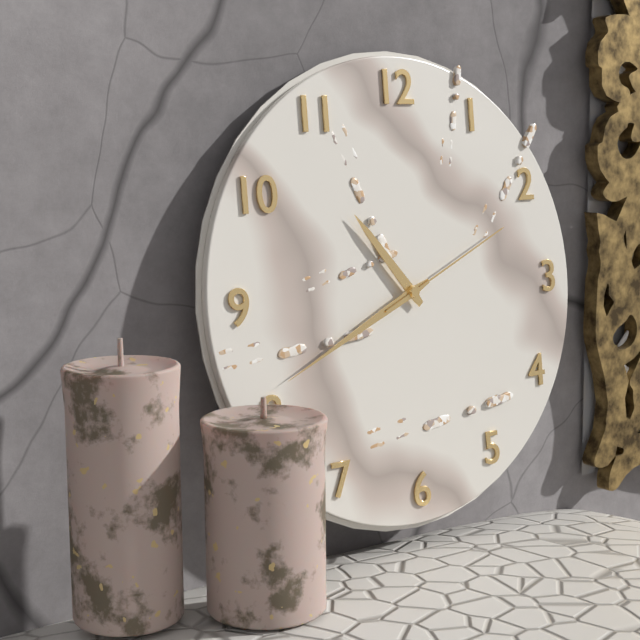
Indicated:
h=10 m=41 s=11
